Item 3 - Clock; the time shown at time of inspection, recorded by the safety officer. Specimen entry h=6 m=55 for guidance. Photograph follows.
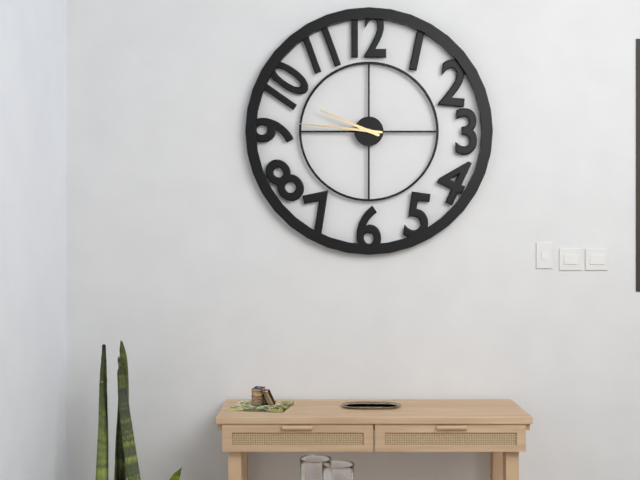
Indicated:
h=9 m=46
